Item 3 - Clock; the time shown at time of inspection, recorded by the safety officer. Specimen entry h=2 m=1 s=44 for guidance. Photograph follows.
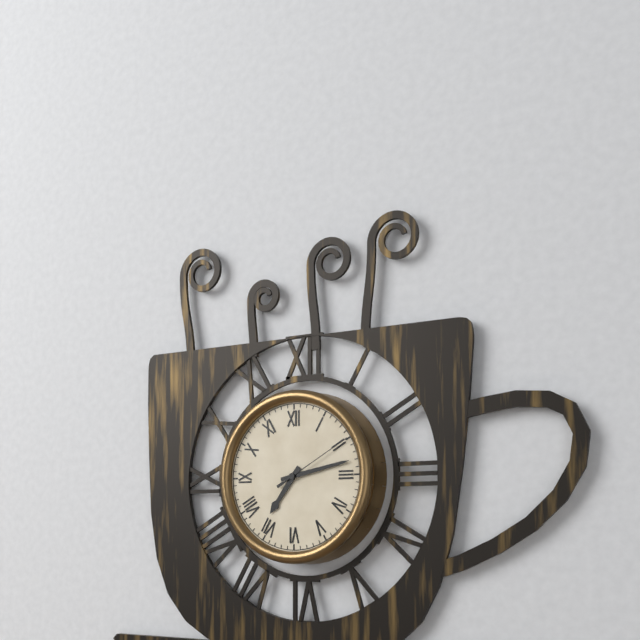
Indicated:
h=7 m=13 s=10
